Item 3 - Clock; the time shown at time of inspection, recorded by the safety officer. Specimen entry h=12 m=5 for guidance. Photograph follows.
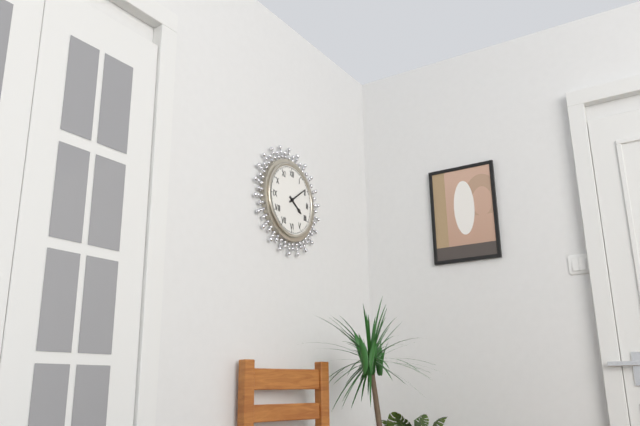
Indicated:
h=4 m=9
